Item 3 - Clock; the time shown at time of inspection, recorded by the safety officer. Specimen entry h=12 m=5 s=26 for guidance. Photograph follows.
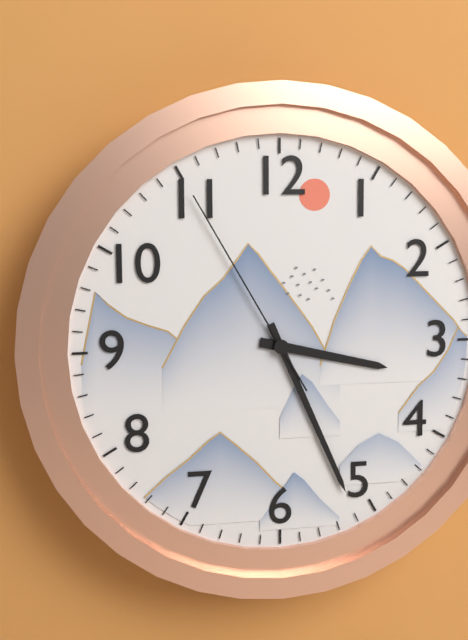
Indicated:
h=3 m=26 s=55
